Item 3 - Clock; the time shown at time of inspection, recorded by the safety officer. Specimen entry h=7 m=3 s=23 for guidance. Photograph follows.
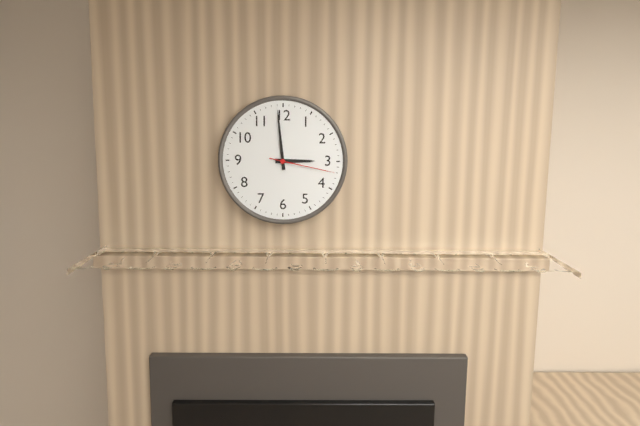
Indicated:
h=2 m=59 s=17
